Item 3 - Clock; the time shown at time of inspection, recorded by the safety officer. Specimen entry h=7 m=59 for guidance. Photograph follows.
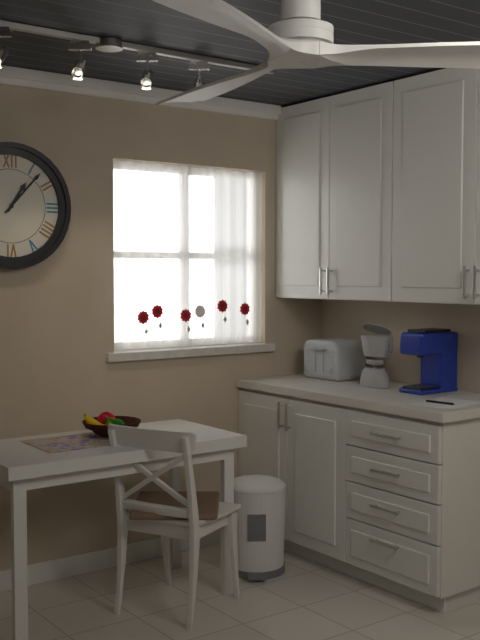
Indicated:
h=1 m=7
